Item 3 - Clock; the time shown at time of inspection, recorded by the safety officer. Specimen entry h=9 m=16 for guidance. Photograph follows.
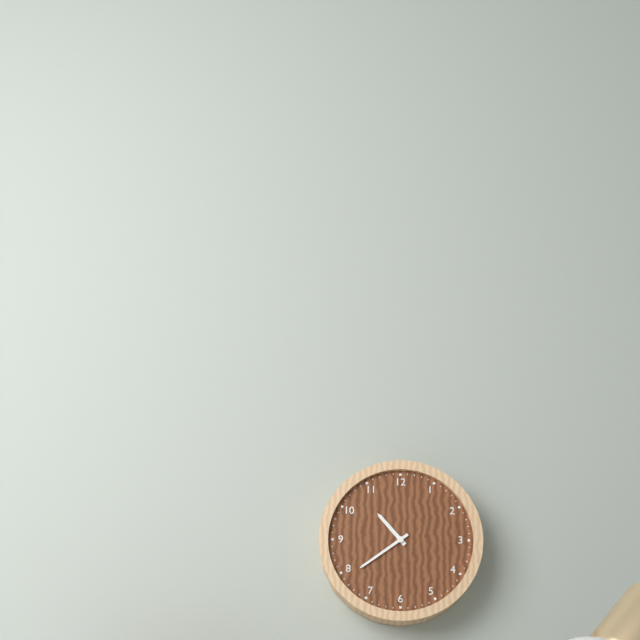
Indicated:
h=10 m=39
